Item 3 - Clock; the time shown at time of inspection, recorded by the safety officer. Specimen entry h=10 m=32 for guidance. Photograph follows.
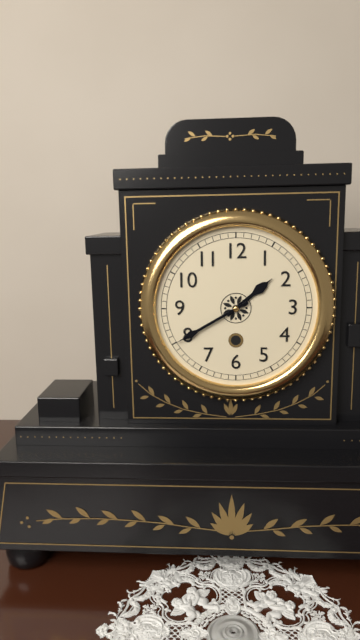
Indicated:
h=1 m=40
